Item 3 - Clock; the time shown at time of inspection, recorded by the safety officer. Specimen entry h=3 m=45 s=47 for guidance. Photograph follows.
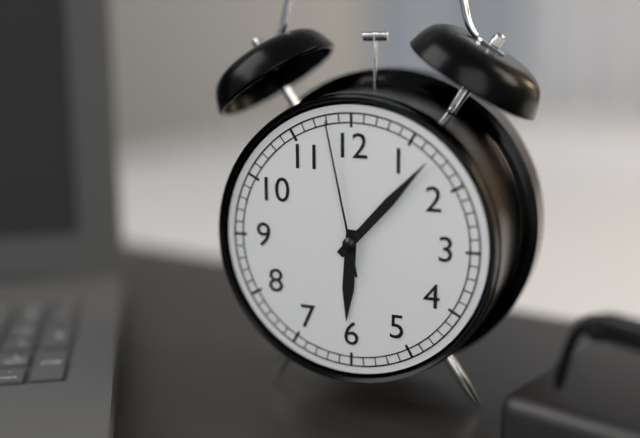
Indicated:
h=6 m=7 s=58
